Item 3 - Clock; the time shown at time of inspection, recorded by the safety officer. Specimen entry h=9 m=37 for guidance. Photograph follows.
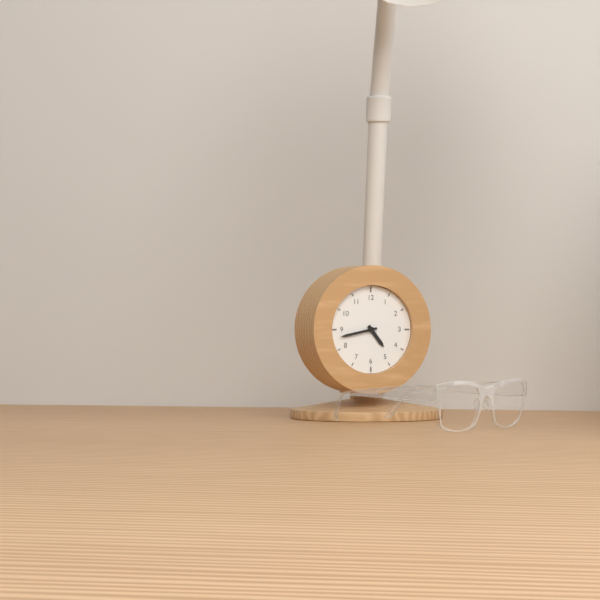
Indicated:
h=4 m=43
